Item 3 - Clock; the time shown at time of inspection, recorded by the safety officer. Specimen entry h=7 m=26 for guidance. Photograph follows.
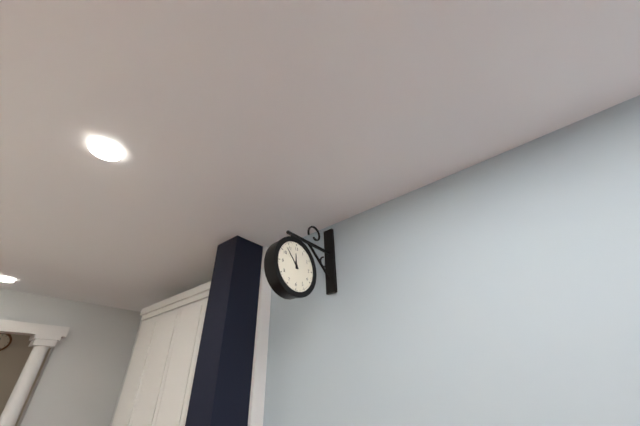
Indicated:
h=11 m=53
